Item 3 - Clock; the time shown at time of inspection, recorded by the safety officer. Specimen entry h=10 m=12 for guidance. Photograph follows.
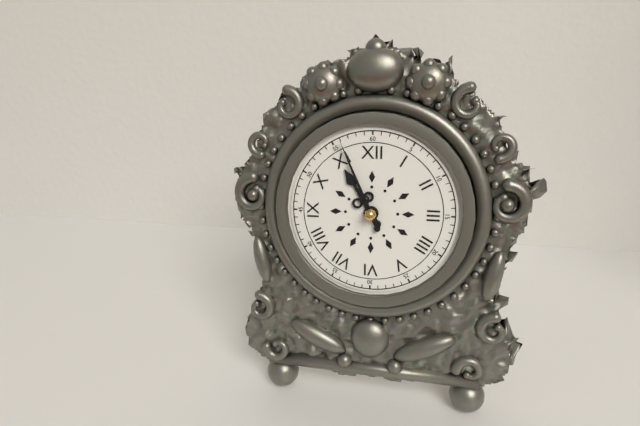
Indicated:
h=10 m=56
